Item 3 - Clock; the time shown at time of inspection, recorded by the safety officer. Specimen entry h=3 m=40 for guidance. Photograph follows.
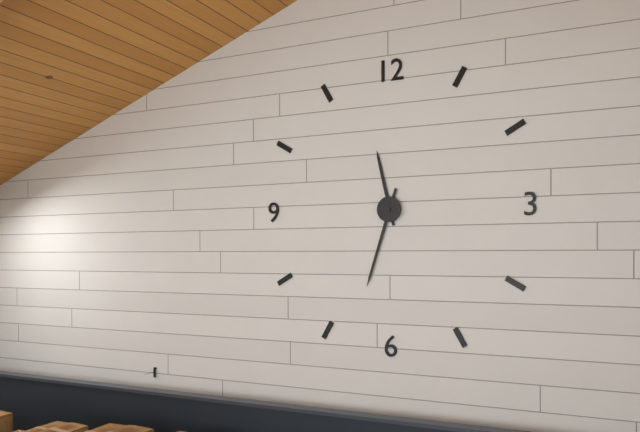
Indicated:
h=11 m=33
